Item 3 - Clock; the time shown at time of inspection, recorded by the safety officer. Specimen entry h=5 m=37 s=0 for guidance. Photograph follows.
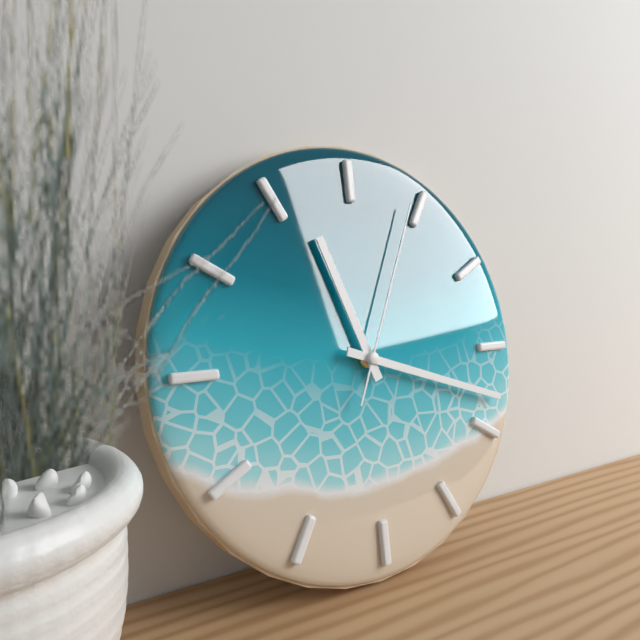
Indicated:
h=11 m=18 s=4
